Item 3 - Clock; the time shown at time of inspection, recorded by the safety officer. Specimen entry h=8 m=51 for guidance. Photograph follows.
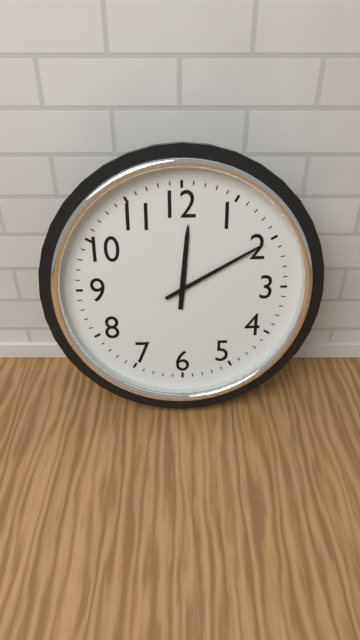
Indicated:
h=12 m=10
